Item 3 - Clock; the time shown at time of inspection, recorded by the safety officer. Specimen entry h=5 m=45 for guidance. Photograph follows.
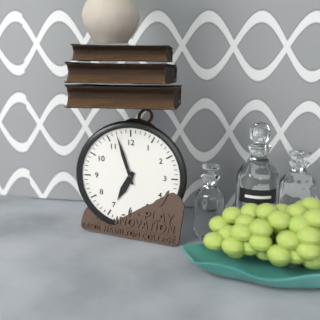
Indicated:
h=6 m=57
